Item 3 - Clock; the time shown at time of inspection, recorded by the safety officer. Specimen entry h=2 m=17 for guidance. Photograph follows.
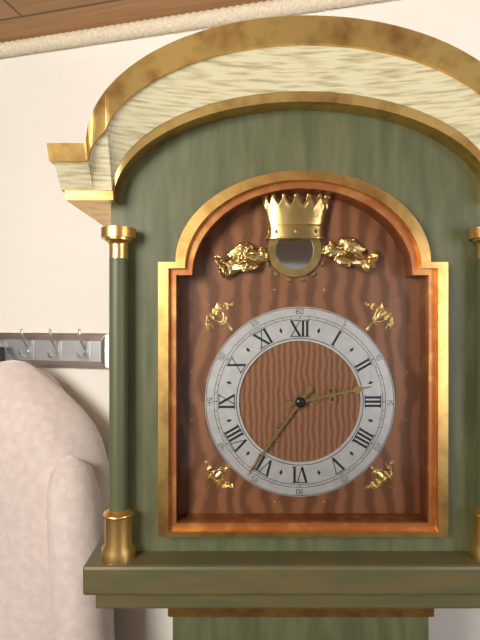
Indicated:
h=2 m=36
